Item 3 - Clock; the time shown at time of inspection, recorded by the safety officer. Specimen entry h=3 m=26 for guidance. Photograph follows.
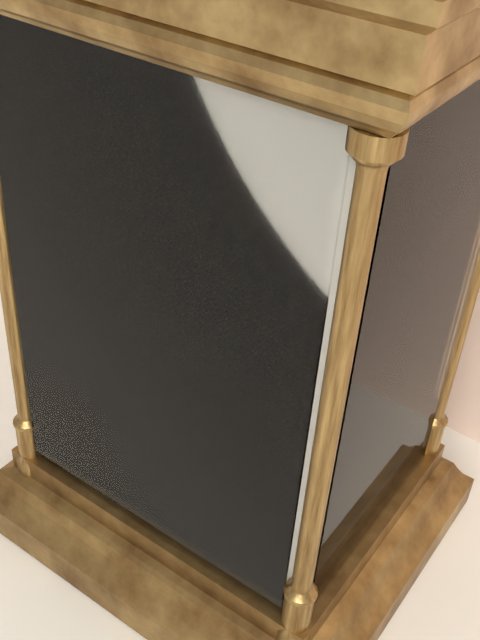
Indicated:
h=1 m=51
